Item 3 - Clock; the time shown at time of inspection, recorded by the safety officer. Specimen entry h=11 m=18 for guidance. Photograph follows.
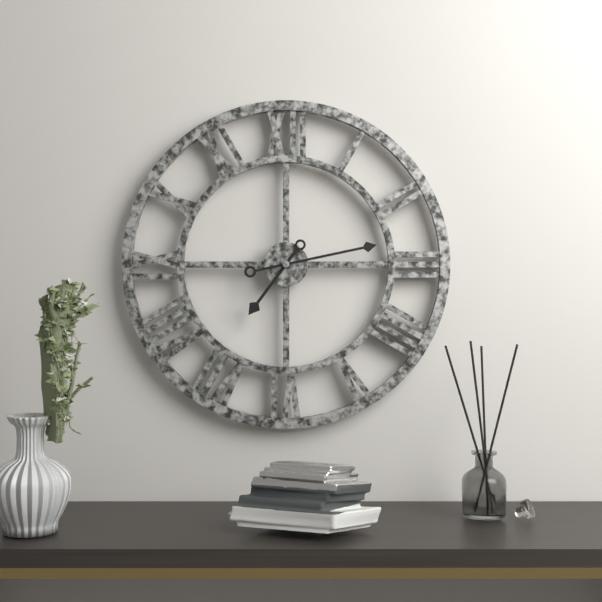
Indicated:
h=7 m=13
